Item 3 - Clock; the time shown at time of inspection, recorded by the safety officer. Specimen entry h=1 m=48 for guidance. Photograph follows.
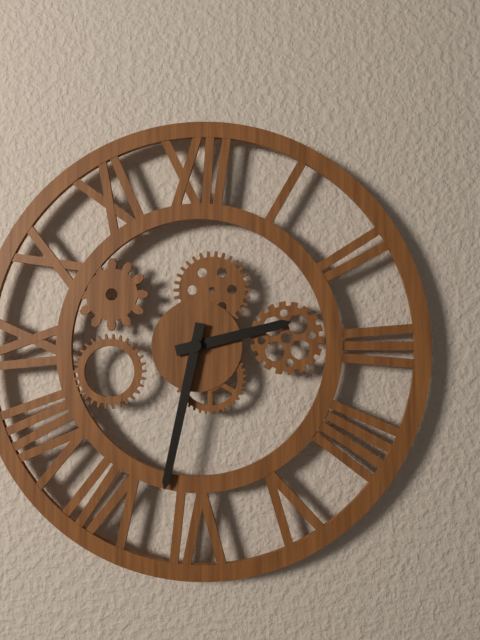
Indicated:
h=2 m=32
